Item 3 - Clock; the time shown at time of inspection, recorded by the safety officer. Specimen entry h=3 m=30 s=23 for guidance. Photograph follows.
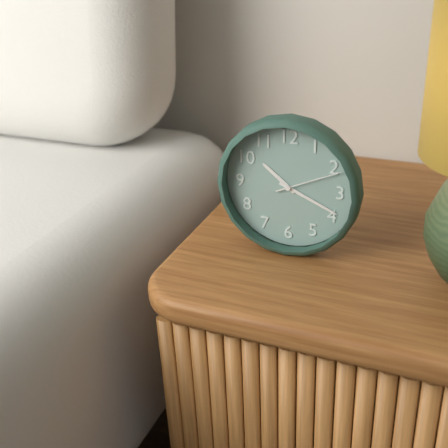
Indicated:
h=10 m=19 s=11
